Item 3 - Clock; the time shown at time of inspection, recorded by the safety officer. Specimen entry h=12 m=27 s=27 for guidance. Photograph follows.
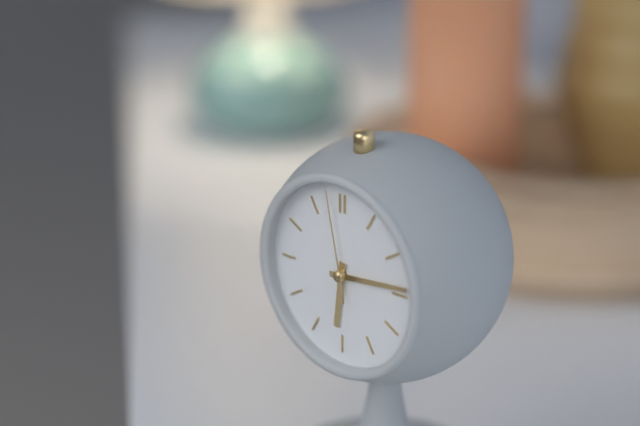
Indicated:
h=6 m=14 s=58
